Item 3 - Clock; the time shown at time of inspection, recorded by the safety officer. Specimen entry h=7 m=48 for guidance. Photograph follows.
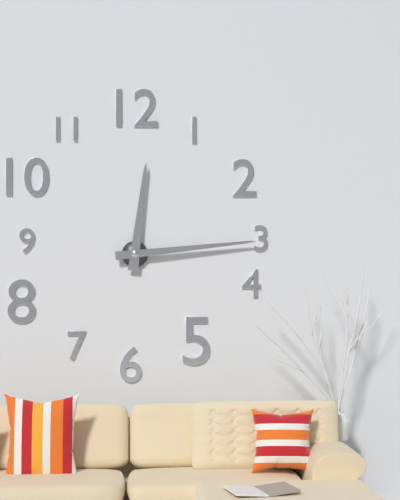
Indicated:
h=12 m=14
